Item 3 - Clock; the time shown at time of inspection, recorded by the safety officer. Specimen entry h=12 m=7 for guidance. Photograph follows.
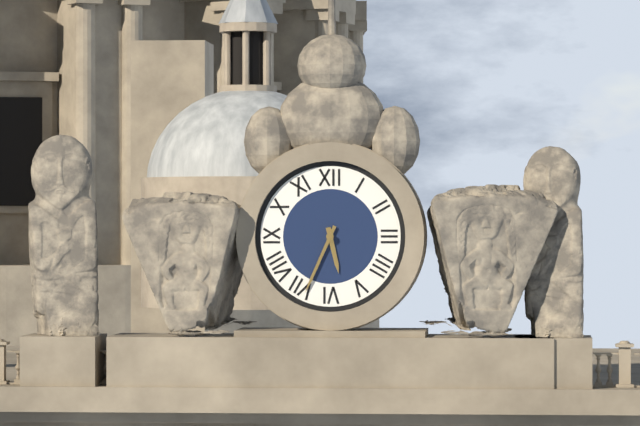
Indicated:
h=5 m=34
